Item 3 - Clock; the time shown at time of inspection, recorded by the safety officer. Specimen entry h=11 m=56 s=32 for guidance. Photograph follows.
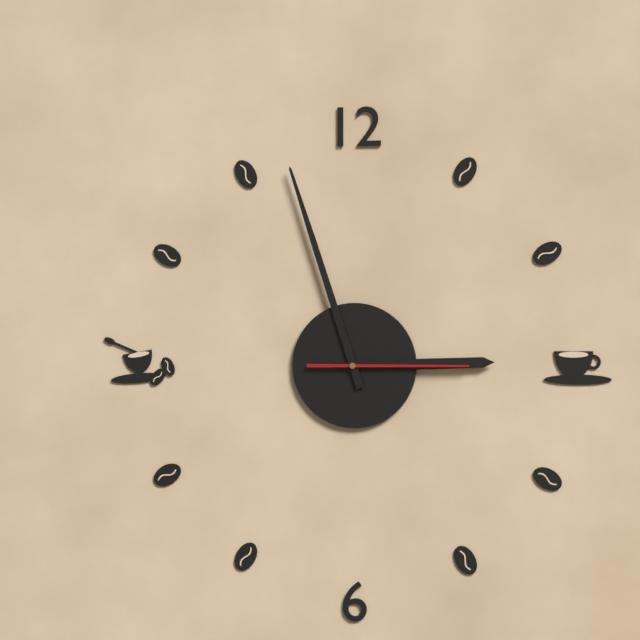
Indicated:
h=2 m=57 s=15
